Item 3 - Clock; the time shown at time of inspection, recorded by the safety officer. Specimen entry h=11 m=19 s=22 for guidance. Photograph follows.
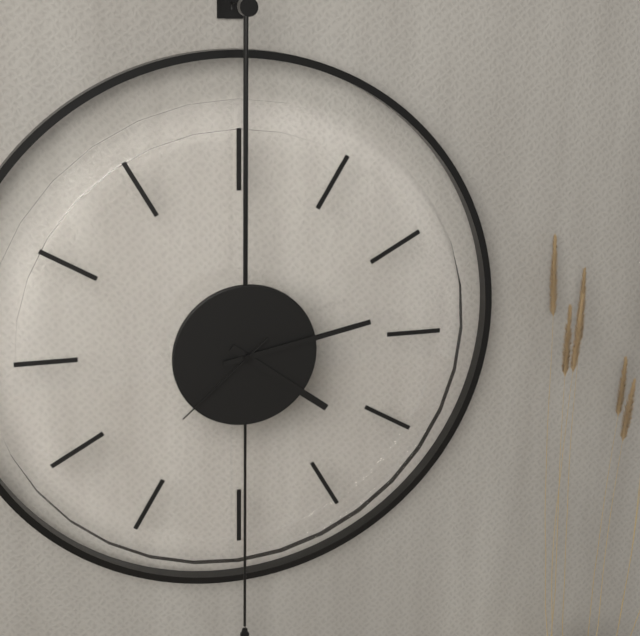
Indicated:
h=4 m=13 s=38
